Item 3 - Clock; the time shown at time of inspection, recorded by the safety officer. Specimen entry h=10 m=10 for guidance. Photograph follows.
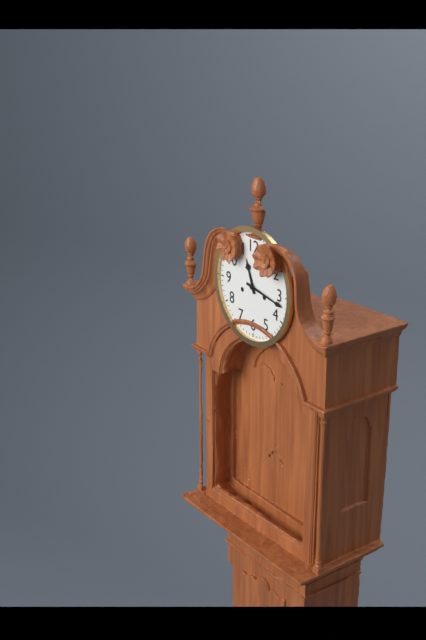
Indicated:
h=11 m=17
